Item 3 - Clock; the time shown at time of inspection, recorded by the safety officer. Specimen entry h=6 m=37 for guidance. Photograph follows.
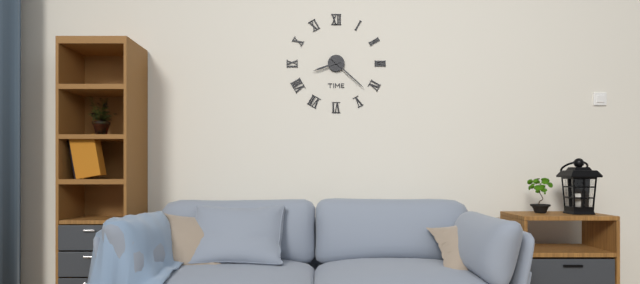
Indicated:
h=8 m=22
